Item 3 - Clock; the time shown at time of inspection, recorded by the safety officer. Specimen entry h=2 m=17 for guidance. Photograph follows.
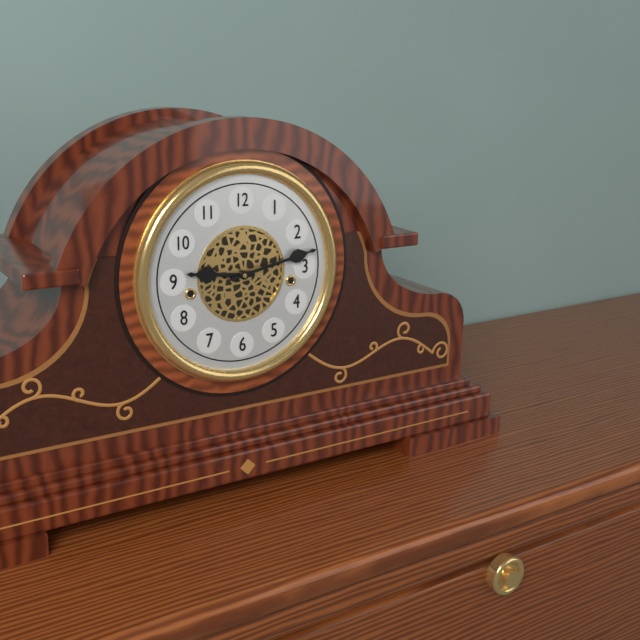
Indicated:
h=9 m=13
